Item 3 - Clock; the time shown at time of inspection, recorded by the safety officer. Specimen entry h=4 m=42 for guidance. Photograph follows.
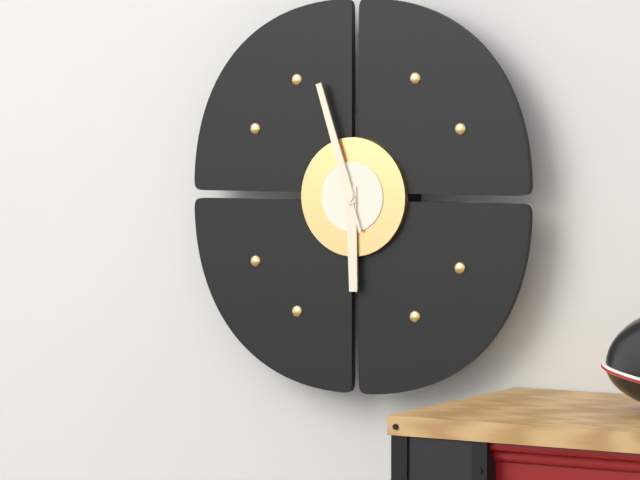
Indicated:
h=5 m=57
